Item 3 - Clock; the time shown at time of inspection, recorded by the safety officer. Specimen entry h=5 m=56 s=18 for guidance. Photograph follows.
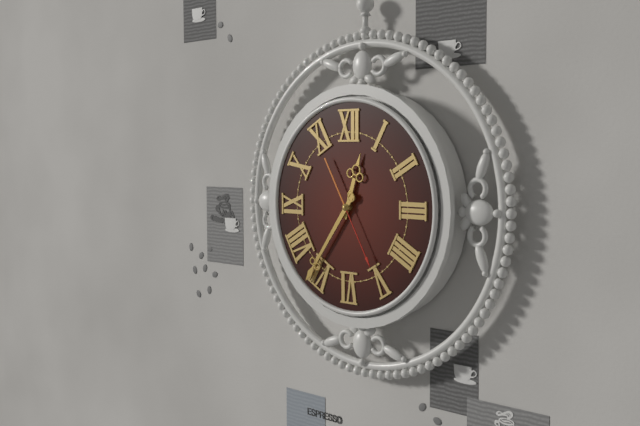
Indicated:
h=12 m=36 s=25
